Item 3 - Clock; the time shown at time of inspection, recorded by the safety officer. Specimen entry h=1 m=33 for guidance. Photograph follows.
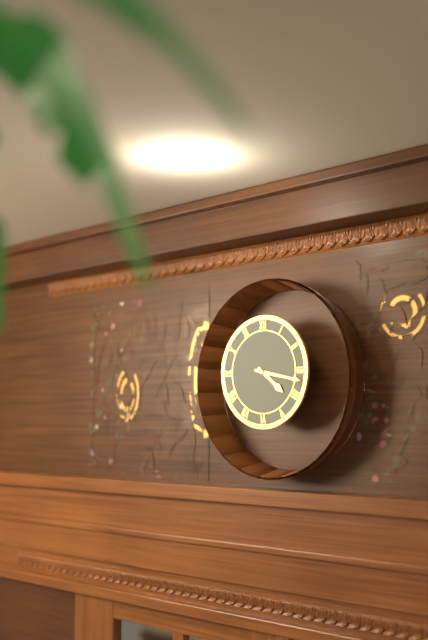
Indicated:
h=4 m=17
